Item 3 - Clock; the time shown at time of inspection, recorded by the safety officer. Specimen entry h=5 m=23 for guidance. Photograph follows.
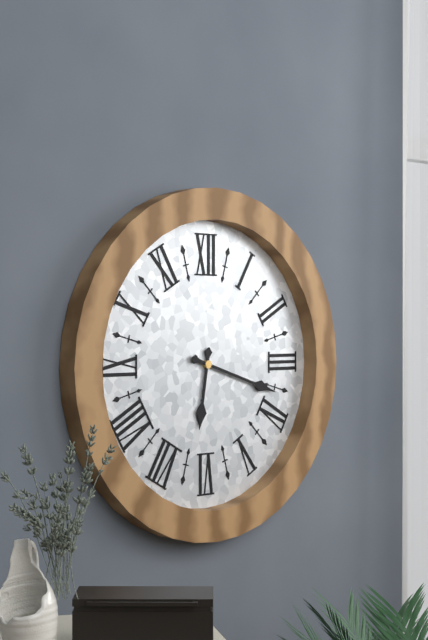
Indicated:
h=6 m=18
